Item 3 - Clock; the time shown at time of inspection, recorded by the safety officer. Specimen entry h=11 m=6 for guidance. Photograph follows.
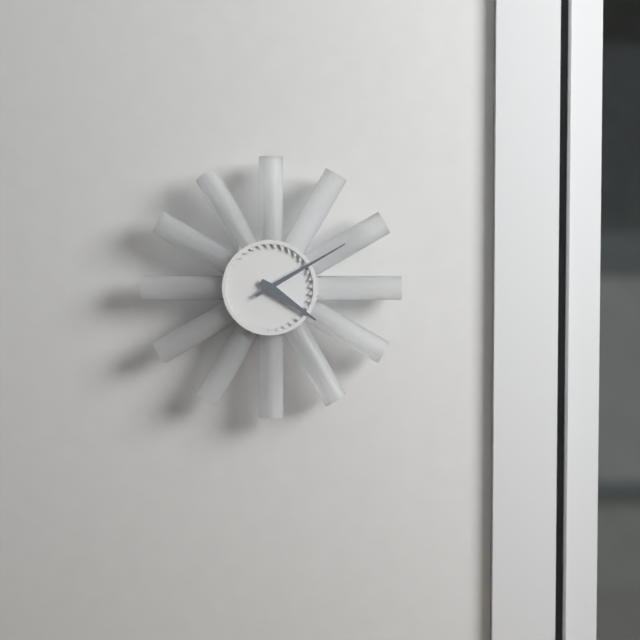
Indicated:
h=4 m=10
